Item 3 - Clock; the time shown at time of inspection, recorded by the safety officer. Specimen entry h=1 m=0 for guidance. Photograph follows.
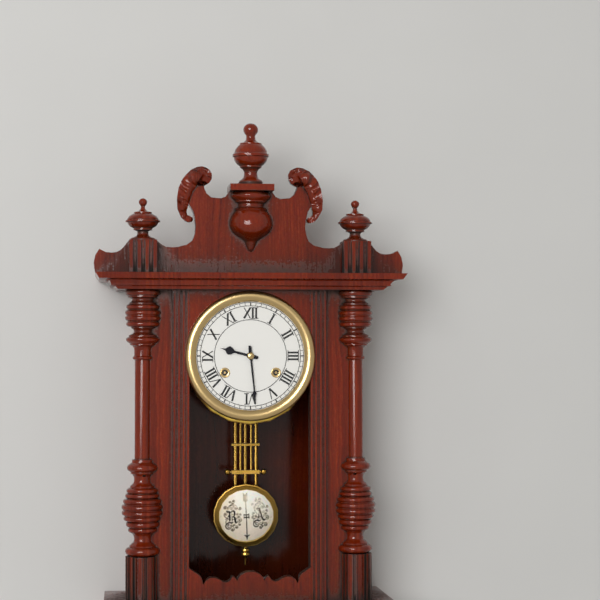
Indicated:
h=9 m=29
